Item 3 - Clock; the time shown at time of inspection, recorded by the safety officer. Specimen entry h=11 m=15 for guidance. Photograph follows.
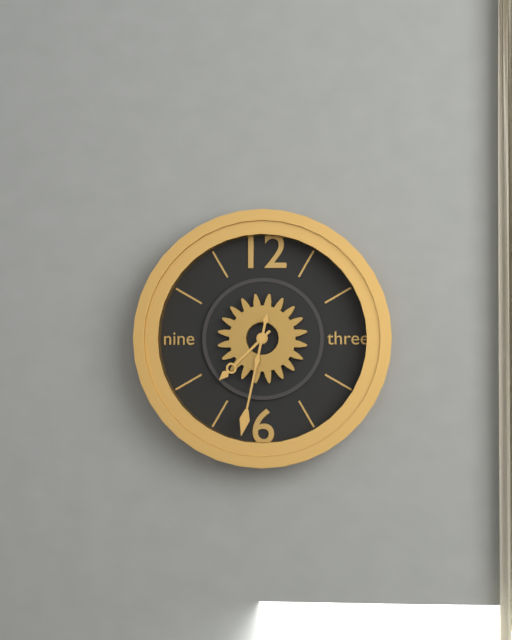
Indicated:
h=7 m=32
